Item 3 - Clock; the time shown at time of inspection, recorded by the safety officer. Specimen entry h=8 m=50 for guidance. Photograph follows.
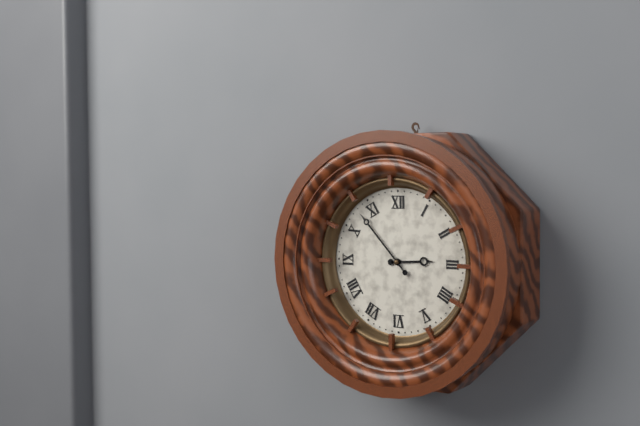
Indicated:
h=2 m=53
